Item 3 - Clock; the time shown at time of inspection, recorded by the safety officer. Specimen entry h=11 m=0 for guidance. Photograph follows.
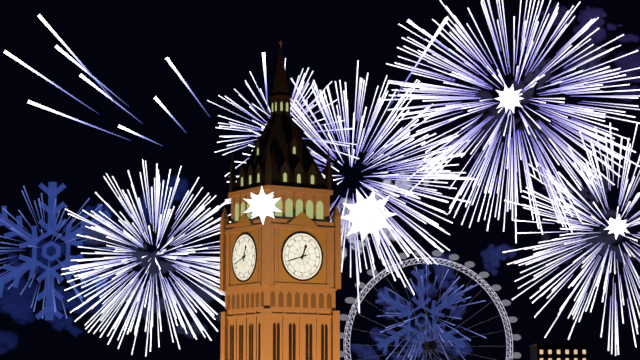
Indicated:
h=12 m=42
